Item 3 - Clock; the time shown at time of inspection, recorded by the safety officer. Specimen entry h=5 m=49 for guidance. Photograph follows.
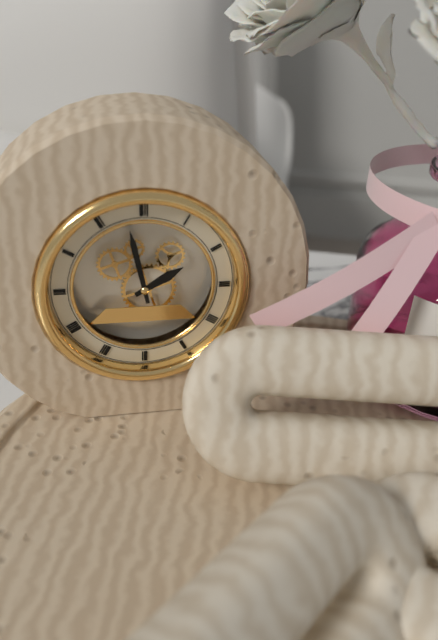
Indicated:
h=1 m=58
